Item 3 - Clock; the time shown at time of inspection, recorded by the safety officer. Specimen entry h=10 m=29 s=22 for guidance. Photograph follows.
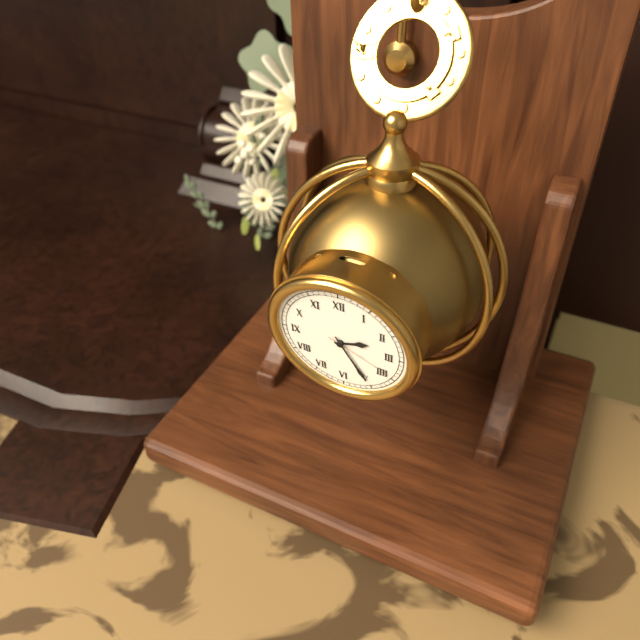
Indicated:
h=2 m=25 s=19
